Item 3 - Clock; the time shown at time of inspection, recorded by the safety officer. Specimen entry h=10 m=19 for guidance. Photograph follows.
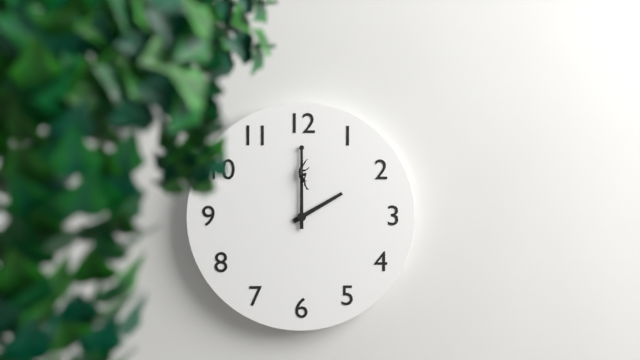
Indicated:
h=2 m=0
